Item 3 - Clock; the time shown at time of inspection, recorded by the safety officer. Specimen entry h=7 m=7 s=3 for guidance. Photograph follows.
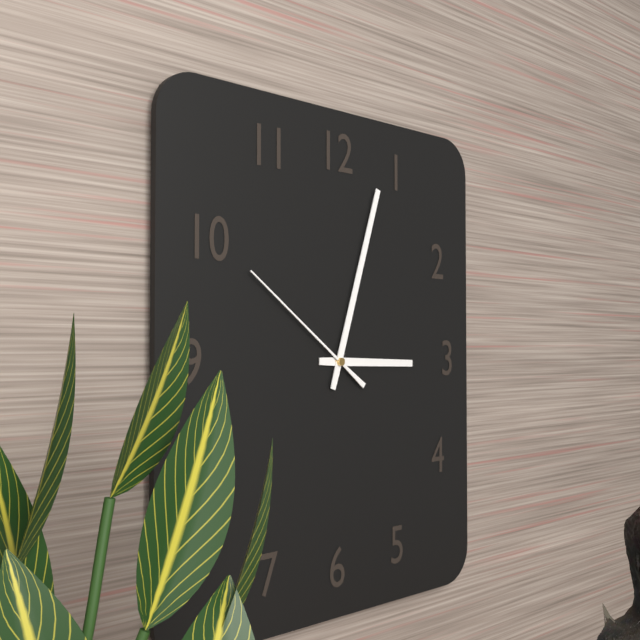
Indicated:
h=3 m=3 s=51
